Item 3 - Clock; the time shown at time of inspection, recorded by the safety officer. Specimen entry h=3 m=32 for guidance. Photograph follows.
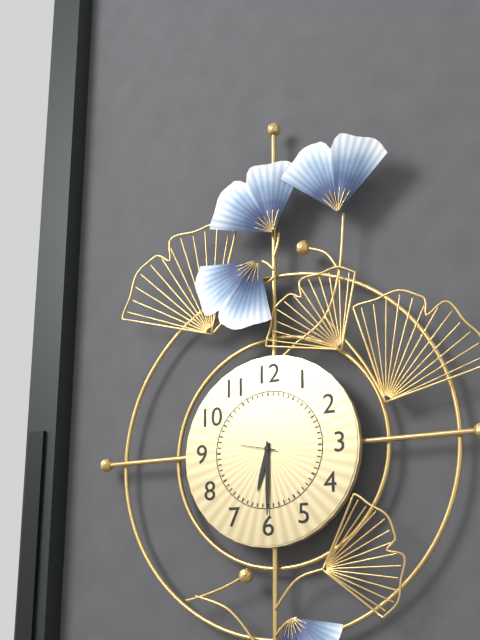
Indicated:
h=6 m=30
